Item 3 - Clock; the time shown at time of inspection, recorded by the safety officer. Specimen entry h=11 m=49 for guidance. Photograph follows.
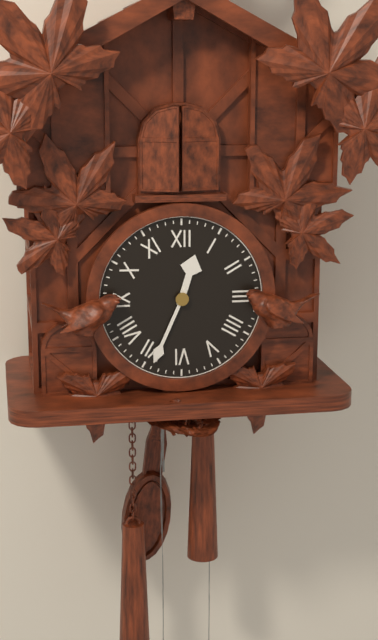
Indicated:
h=12 m=34
